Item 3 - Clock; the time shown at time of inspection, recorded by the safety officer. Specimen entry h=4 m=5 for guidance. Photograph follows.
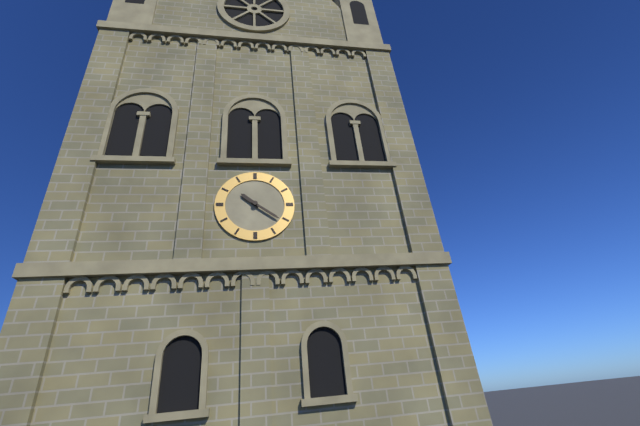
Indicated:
h=10 m=21
